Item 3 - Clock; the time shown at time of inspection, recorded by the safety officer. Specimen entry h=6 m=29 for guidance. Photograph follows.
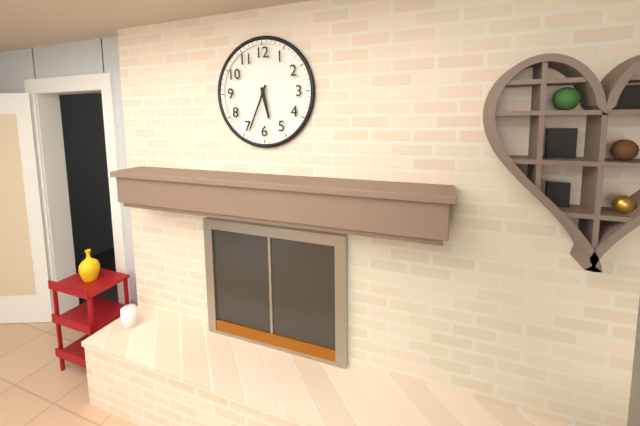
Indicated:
h=5 m=34
